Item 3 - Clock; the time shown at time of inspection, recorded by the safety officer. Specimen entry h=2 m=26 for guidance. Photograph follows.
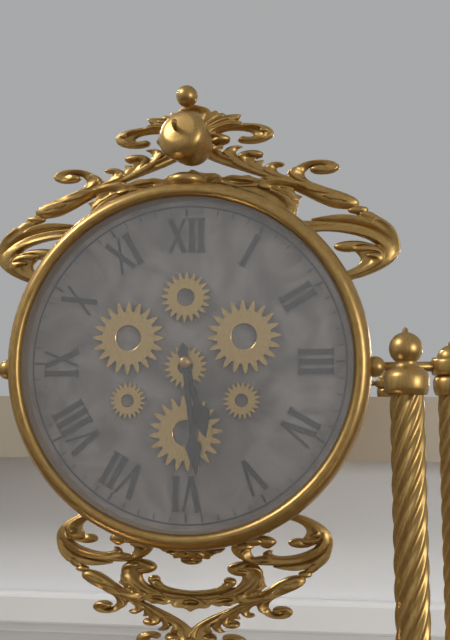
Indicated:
h=5 m=29
